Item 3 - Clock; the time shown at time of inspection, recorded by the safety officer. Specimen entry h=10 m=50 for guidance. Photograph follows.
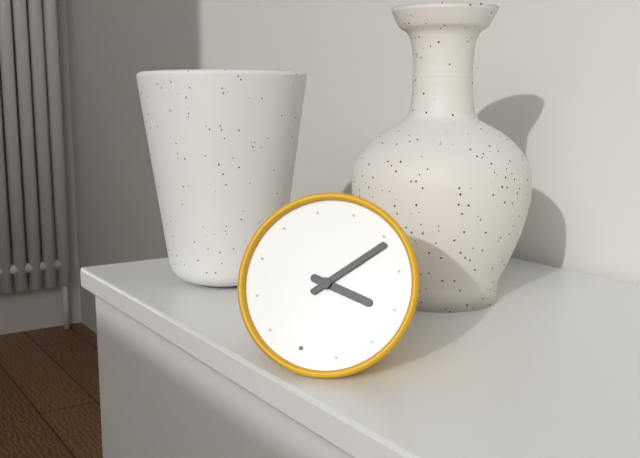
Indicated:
h=3 m=6
